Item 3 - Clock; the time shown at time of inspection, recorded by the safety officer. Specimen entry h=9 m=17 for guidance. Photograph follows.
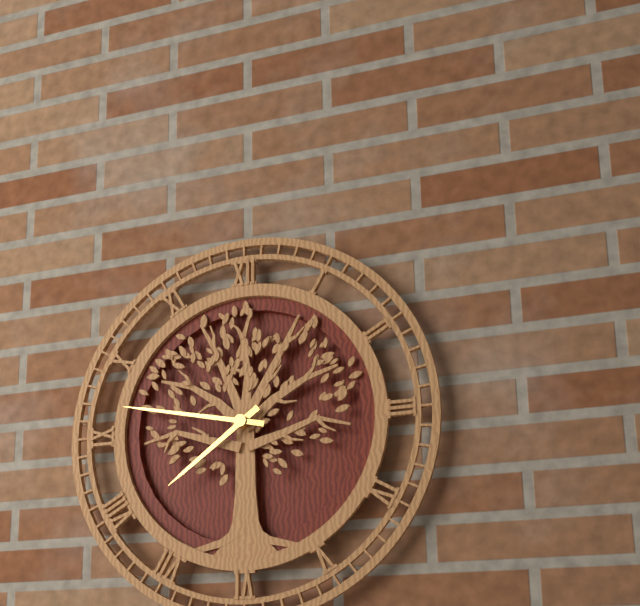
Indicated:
h=7 m=47
